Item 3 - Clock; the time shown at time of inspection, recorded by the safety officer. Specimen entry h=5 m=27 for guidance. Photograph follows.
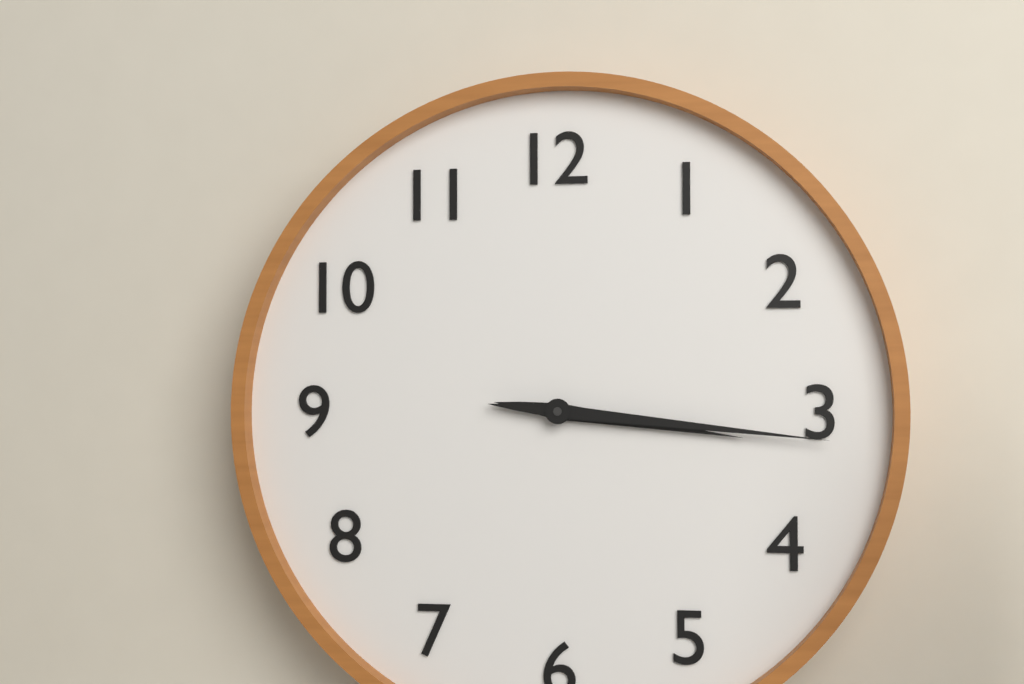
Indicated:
h=3 m=16
